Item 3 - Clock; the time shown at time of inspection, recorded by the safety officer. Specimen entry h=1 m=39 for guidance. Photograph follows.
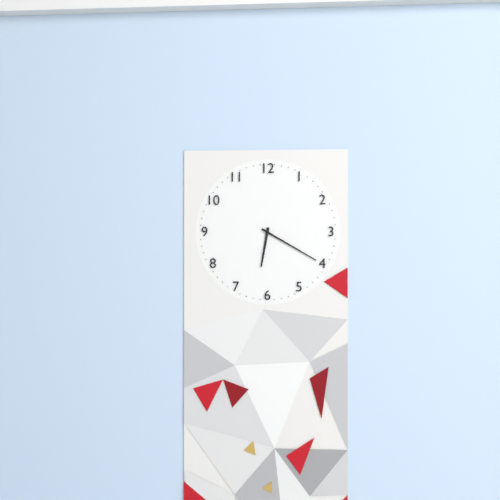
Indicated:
h=6 m=20
